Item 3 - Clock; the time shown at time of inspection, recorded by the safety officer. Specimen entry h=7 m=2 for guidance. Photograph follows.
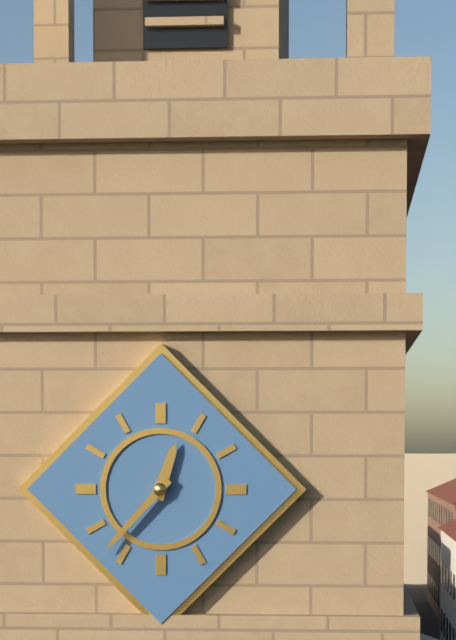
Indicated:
h=12 m=37
